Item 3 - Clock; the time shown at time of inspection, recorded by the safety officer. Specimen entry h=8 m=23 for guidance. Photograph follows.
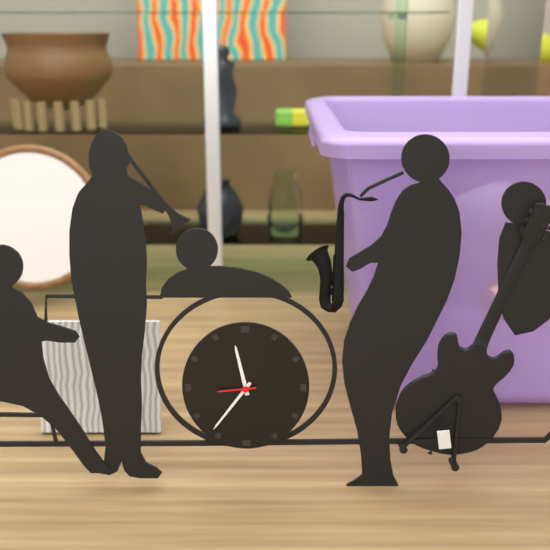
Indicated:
h=11 m=36
